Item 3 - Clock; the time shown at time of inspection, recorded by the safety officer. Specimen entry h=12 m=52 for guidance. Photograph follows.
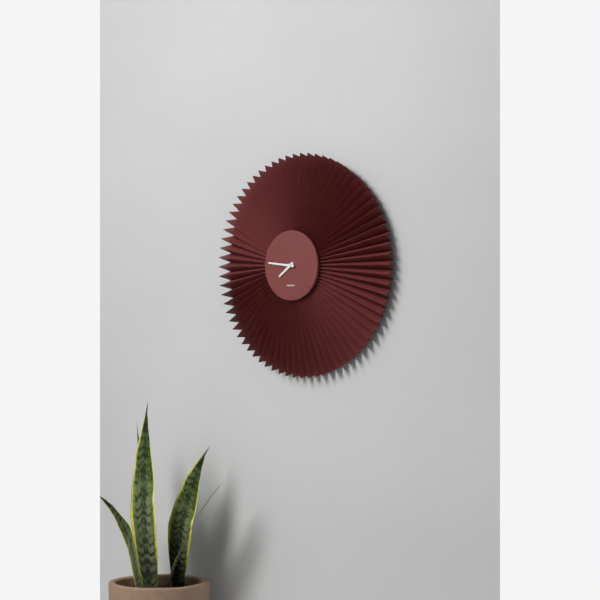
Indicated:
h=7 m=46
